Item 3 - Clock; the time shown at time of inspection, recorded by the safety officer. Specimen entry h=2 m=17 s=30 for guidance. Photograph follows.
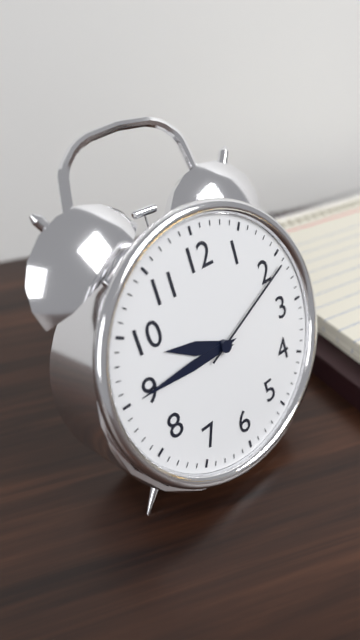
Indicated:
h=9 m=45 s=11
